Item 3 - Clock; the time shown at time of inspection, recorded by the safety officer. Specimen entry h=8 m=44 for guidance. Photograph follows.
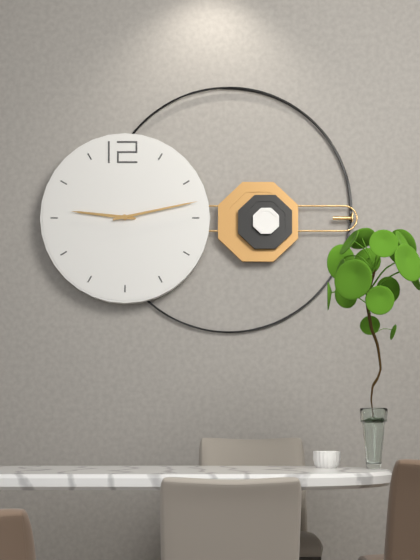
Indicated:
h=9 m=13
